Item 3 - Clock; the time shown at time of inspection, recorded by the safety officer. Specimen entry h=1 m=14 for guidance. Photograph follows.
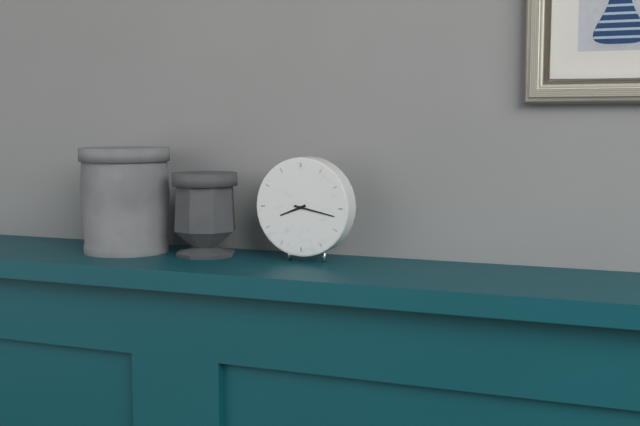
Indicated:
h=8 m=17
